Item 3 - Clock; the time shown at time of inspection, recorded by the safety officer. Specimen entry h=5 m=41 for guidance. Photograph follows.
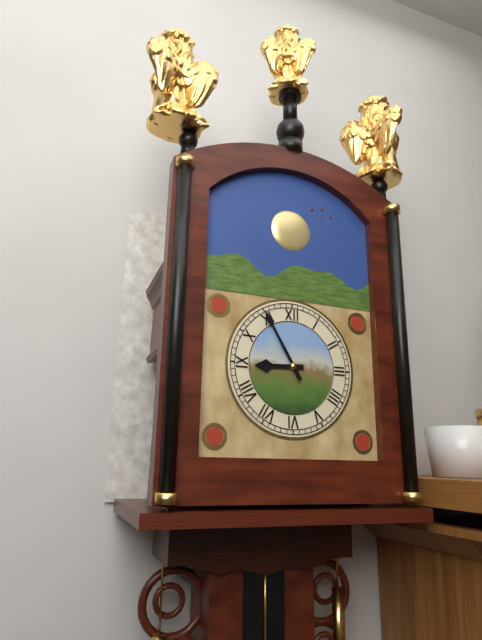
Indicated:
h=8 m=55
